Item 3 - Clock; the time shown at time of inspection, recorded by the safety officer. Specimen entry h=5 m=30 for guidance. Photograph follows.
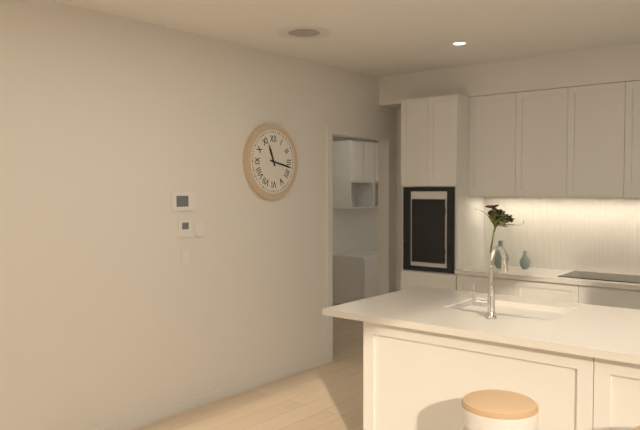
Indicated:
h=11 m=17
